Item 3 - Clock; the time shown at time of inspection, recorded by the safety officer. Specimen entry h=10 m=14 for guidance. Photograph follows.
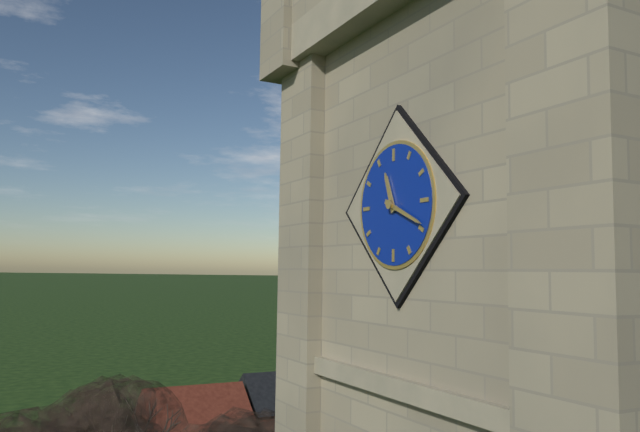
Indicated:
h=11 m=19
